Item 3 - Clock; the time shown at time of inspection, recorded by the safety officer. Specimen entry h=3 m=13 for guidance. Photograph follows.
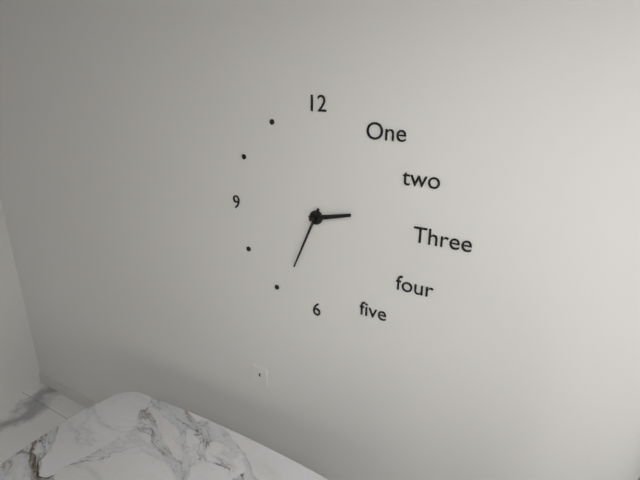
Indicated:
h=2 m=34
